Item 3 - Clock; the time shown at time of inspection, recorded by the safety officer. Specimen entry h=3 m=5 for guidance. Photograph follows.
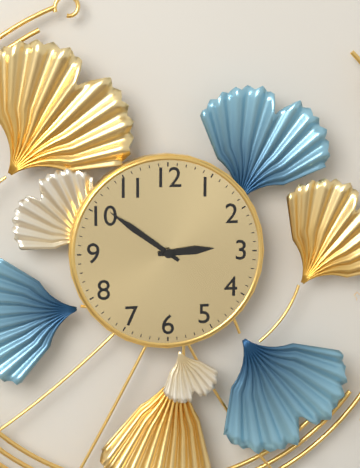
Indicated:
h=2 m=51
